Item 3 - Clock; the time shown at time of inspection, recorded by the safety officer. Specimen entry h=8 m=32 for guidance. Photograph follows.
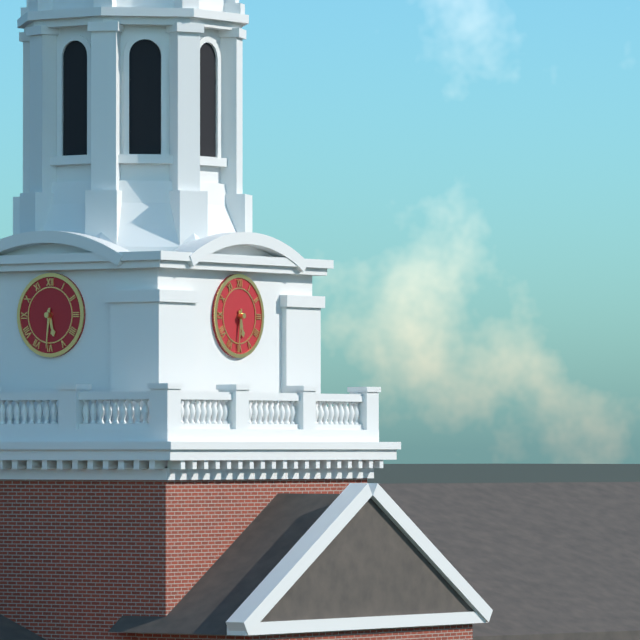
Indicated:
h=5 m=31
